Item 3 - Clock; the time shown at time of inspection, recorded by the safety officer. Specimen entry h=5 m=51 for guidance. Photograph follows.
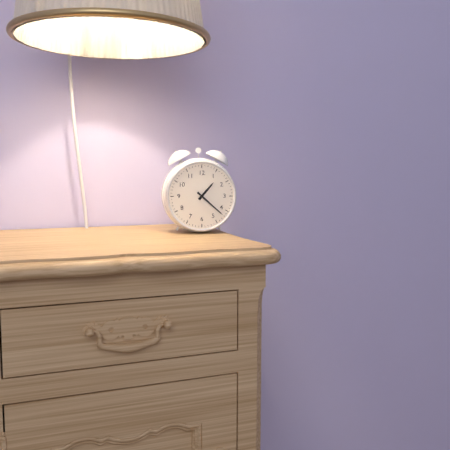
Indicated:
h=1 m=22
